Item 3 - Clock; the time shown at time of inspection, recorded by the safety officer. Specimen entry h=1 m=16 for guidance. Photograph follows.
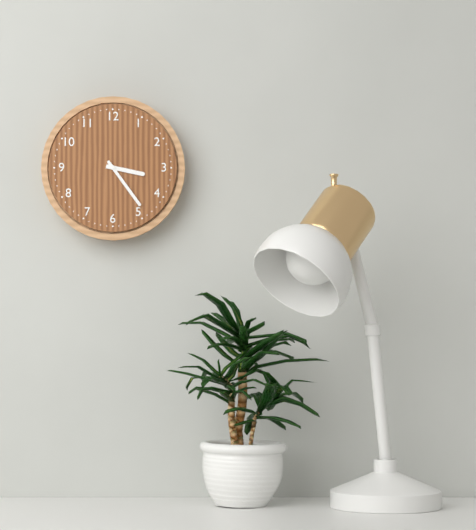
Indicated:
h=3 m=24
